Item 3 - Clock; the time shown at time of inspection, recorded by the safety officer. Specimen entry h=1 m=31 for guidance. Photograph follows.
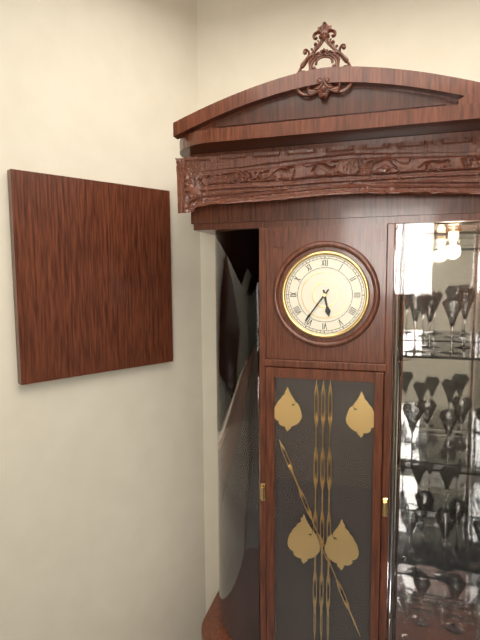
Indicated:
h=5 m=36
